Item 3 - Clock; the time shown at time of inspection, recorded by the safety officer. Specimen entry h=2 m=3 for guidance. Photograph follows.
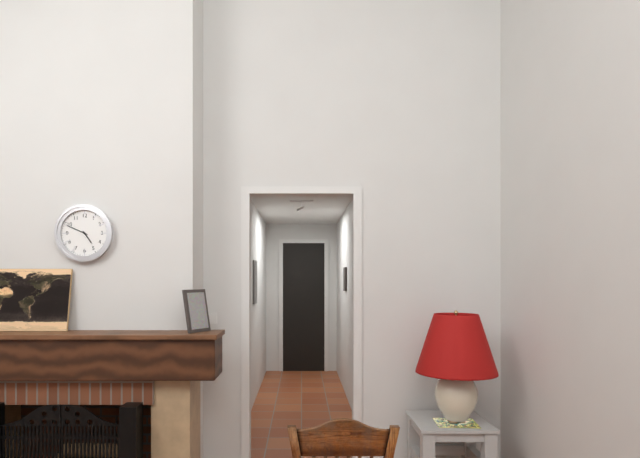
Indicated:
h=4 m=49
